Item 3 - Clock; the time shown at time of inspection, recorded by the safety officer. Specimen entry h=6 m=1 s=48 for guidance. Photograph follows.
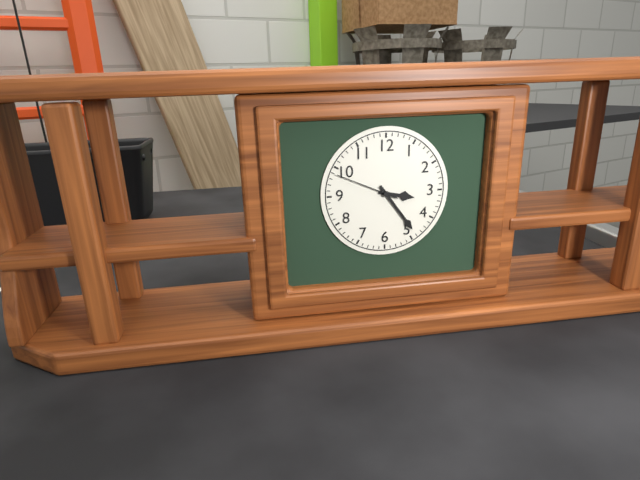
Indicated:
h=3 m=24 s=49
